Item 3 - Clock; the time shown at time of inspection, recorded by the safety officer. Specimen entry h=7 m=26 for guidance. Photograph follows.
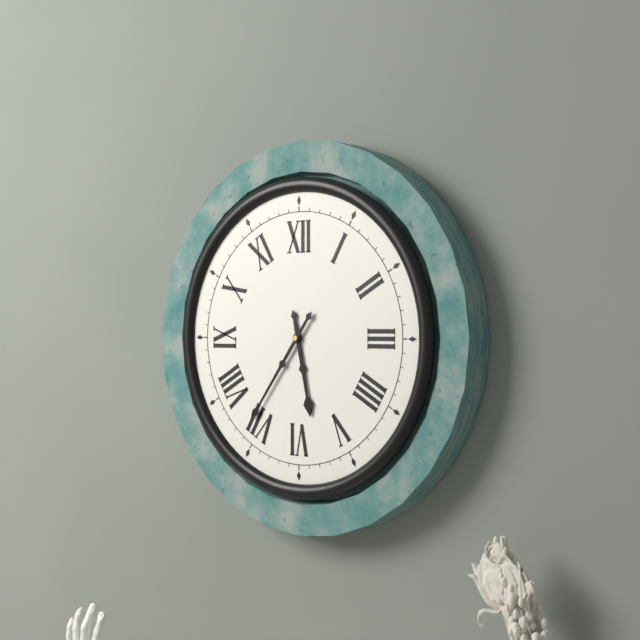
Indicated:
h=5 m=36
